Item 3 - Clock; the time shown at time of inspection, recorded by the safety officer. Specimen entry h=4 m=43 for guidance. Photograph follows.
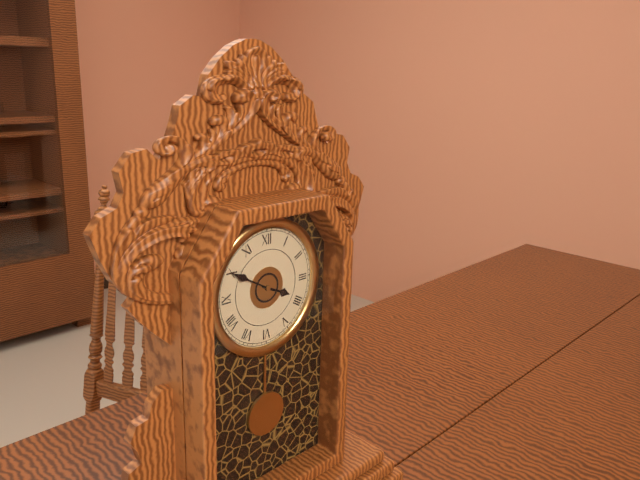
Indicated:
h=3 m=50
